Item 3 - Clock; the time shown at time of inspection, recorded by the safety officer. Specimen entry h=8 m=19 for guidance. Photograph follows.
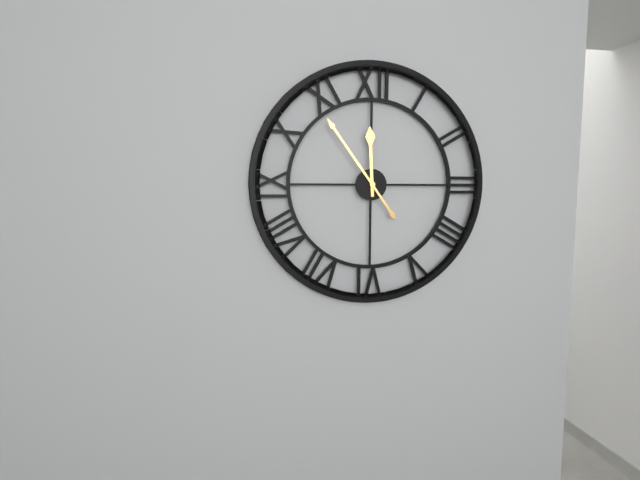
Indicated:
h=11 m=54
